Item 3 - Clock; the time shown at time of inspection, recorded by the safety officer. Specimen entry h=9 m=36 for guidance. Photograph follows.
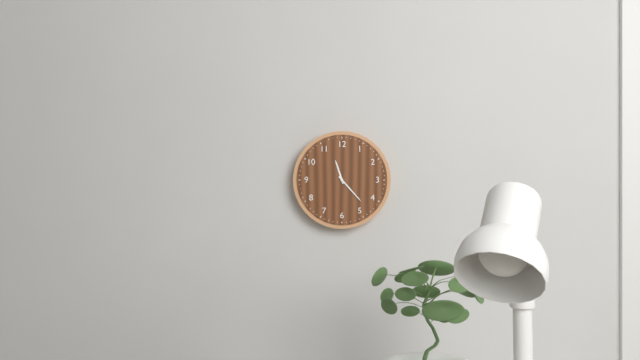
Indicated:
h=11 m=23
